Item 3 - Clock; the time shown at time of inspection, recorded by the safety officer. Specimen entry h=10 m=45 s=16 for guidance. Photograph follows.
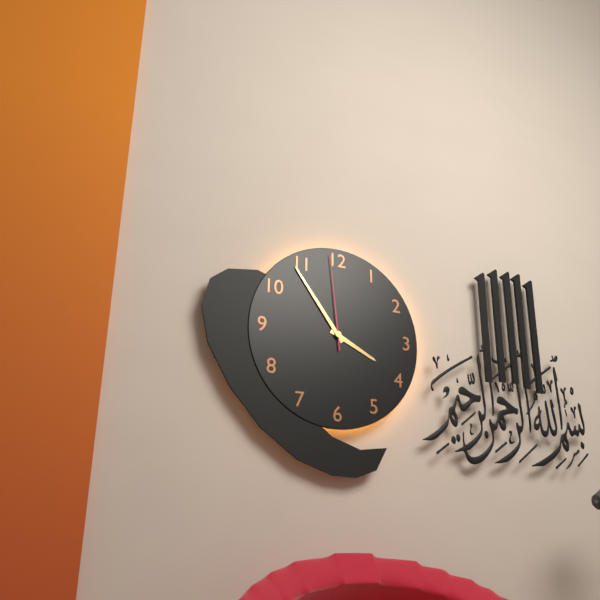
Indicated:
h=3 m=54 s=59
